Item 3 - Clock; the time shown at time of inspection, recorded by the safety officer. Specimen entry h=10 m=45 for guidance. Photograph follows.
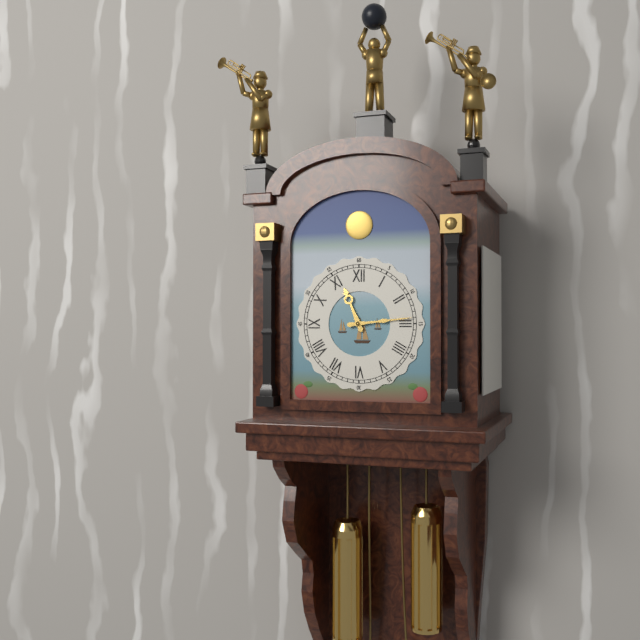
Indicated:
h=11 m=14
